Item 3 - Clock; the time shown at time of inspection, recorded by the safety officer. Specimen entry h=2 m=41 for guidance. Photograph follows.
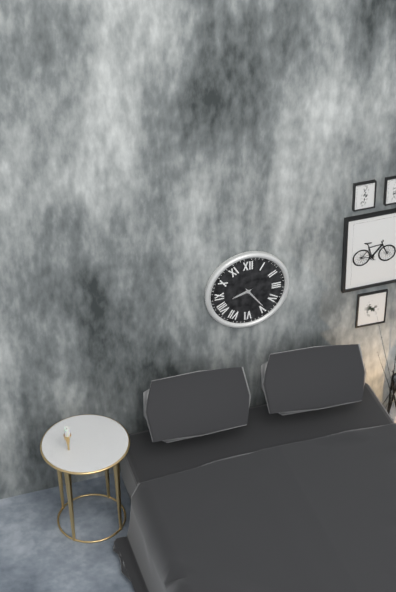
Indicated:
h=8 m=24
